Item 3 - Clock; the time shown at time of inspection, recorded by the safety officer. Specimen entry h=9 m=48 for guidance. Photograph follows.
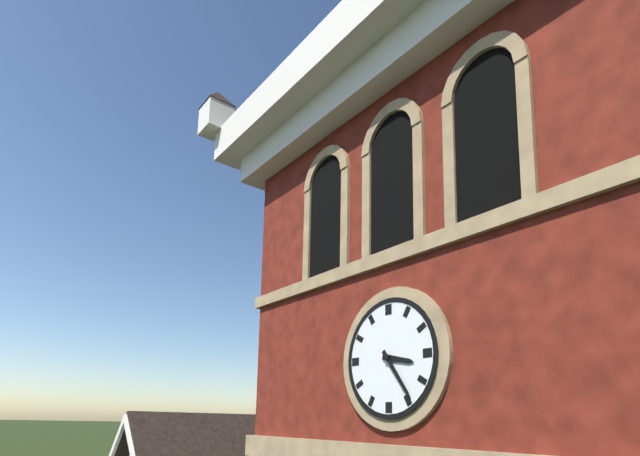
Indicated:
h=3 m=24
